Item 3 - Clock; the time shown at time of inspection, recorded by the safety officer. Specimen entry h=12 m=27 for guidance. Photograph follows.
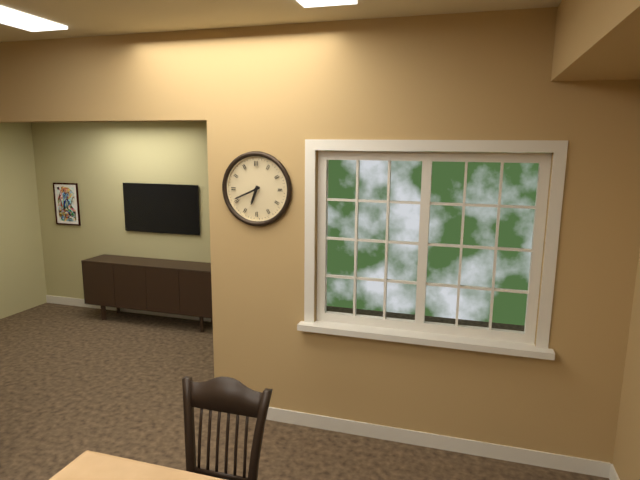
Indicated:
h=6 m=41
